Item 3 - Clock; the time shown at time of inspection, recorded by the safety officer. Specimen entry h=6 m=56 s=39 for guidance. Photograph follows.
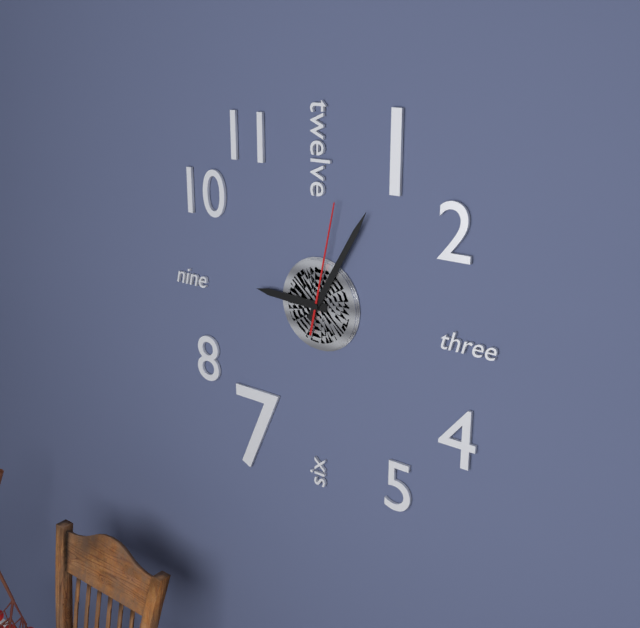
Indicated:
h=9 m=5 s=2
